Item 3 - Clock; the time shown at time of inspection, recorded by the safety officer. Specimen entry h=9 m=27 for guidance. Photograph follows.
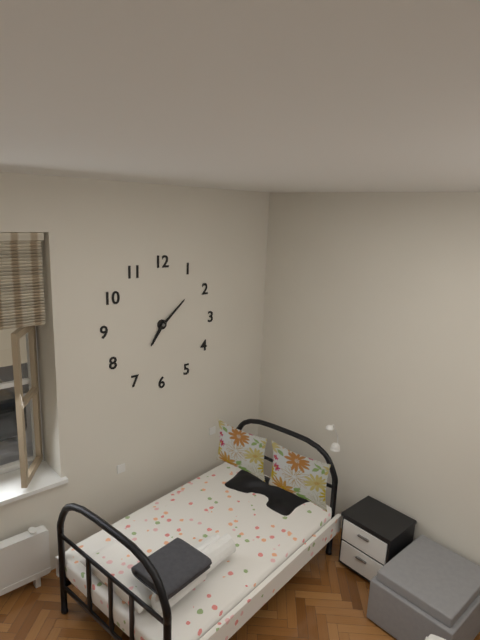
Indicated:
h=7 m=8
